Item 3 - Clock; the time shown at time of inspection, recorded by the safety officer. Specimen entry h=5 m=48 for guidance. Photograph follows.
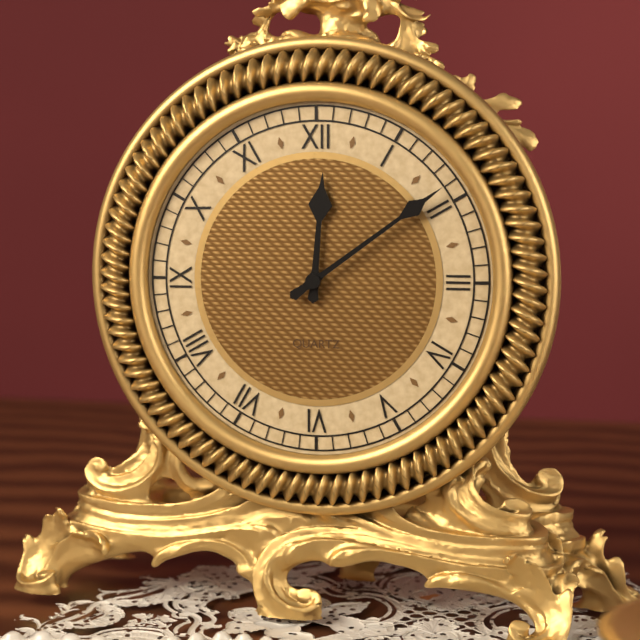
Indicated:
h=12 m=9
